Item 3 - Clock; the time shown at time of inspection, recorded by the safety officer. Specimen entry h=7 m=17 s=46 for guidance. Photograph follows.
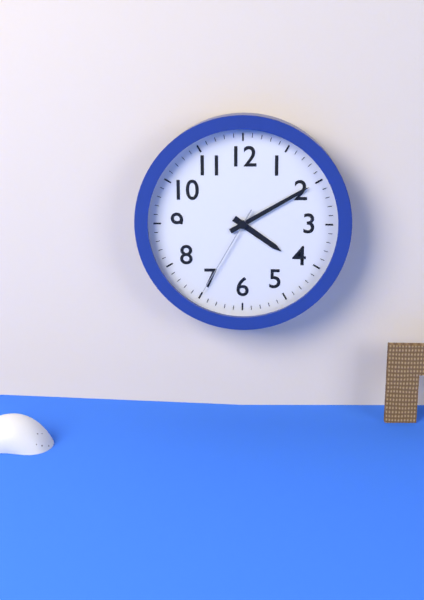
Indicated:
h=4 m=10 s=35
